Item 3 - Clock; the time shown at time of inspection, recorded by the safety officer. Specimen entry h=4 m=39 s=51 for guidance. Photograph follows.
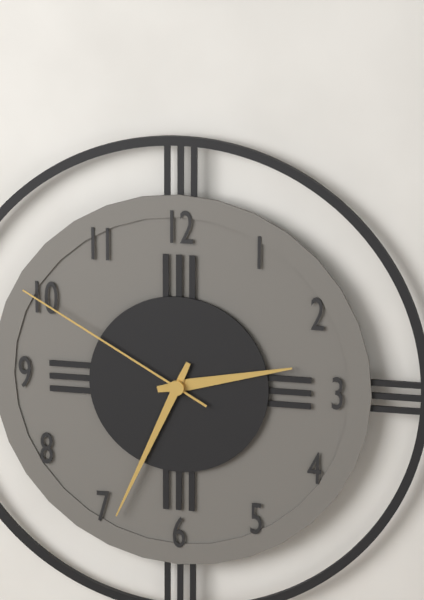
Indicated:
h=2 m=34 s=50
